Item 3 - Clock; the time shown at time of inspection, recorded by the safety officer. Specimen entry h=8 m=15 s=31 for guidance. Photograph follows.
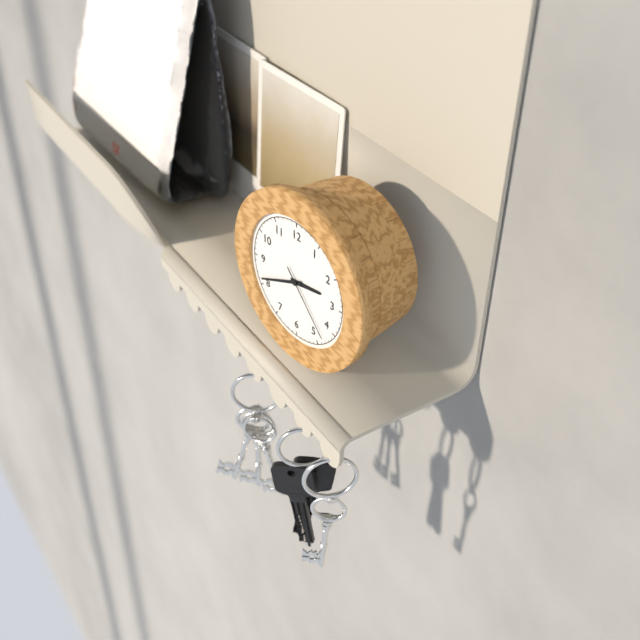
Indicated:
h=2 m=41 s=23
